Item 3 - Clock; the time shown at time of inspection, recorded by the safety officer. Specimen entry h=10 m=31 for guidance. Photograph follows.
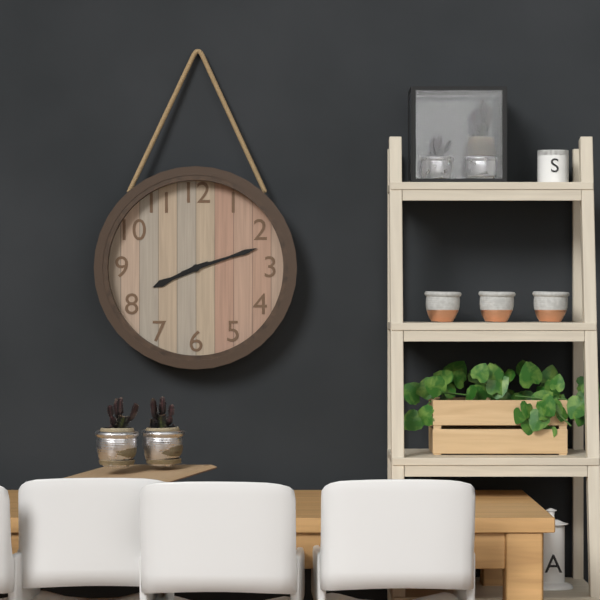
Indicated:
h=8 m=12
